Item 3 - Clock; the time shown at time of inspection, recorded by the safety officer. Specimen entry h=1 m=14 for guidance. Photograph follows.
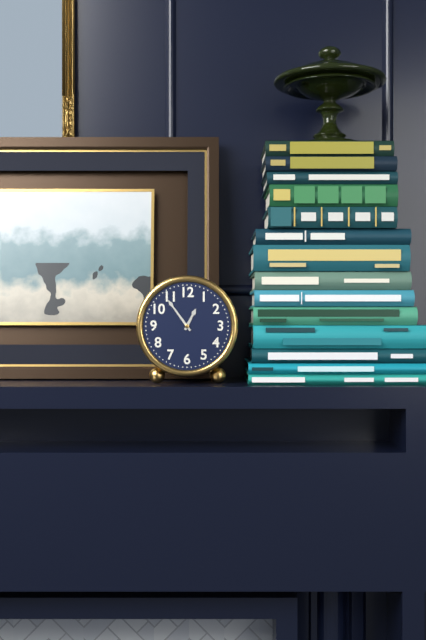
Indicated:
h=12 m=54
